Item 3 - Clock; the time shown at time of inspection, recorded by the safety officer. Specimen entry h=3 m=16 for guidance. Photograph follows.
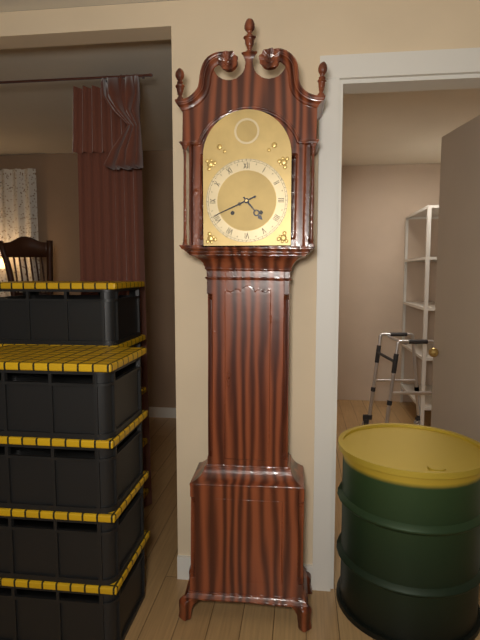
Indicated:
h=4 m=41
